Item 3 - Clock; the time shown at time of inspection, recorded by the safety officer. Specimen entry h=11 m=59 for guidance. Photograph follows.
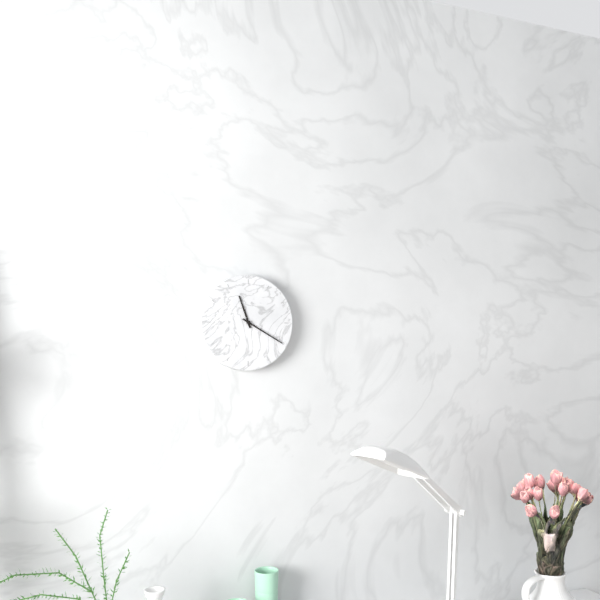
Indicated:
h=11 m=20
